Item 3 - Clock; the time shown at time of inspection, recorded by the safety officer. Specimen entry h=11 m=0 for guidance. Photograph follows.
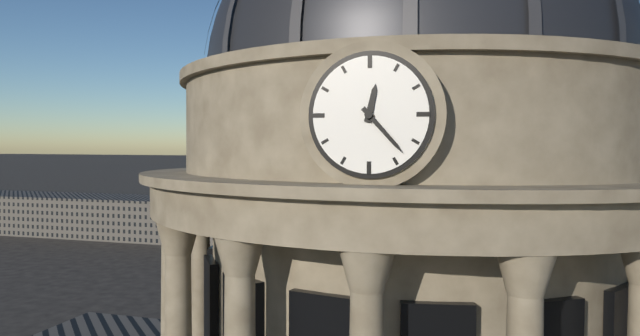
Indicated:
h=12 m=23
